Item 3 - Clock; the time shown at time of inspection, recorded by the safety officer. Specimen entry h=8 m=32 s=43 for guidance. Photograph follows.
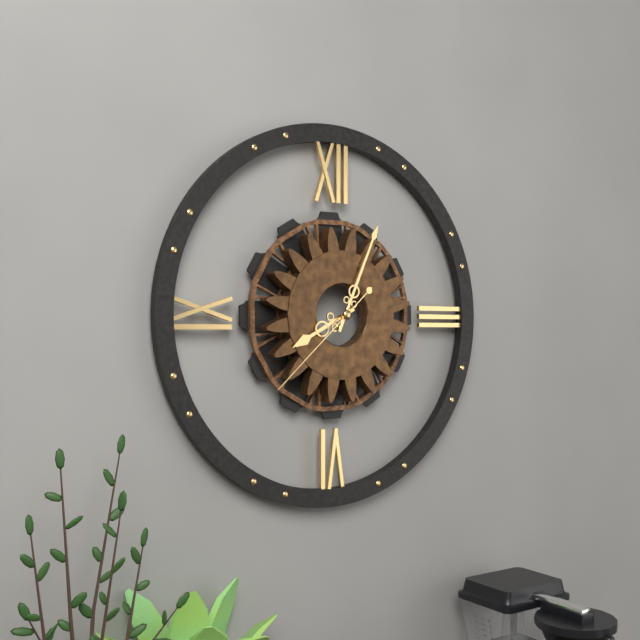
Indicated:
h=8 m=4 s=38
